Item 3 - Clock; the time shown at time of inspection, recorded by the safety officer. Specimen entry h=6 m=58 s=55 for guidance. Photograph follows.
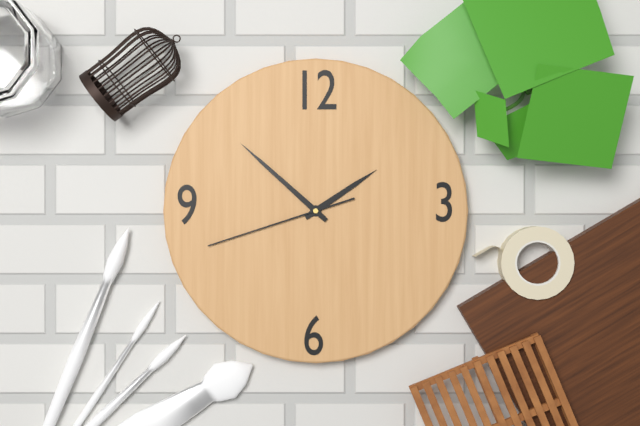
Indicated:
h=1 m=52 s=42
